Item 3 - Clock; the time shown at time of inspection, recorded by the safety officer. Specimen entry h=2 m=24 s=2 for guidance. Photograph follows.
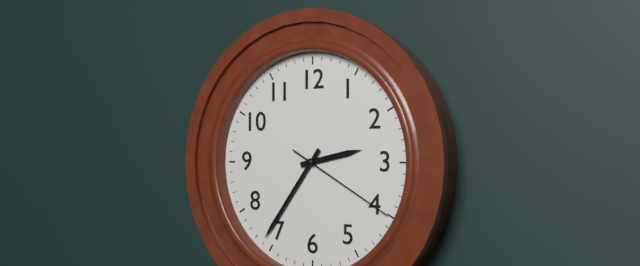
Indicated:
h=2 m=36 s=20
